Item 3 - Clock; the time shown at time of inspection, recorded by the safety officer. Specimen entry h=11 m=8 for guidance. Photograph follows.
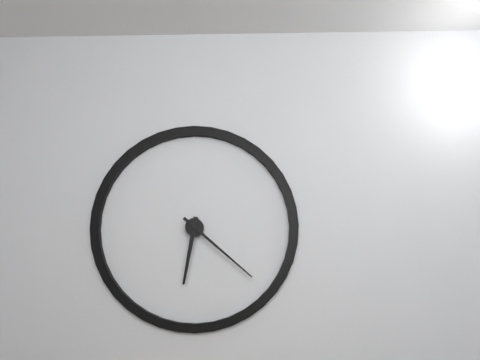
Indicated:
h=6 m=22
